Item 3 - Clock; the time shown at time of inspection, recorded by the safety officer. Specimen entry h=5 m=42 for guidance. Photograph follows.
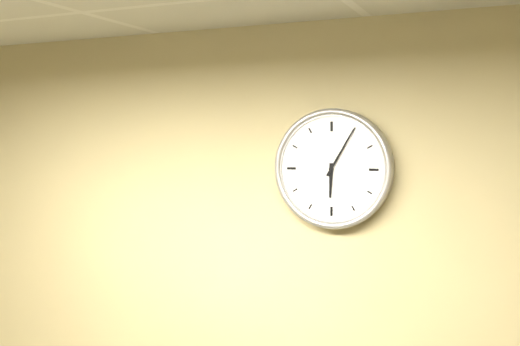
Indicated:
h=6 m=5
